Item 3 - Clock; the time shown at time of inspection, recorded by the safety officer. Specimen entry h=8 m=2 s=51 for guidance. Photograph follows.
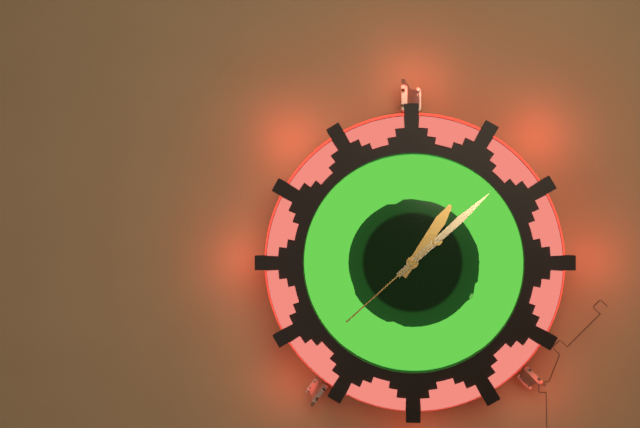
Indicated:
h=1 m=8 s=38
